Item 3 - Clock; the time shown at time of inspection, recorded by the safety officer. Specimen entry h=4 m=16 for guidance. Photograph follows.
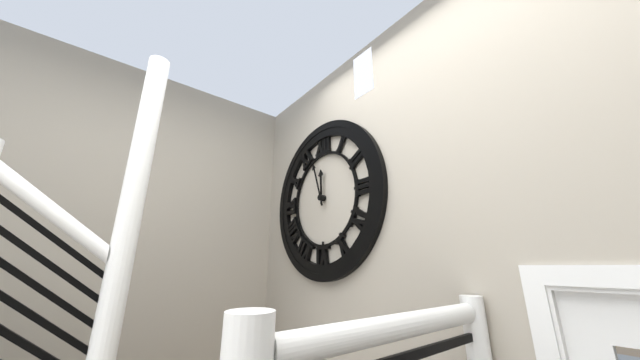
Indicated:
h=11 m=57
